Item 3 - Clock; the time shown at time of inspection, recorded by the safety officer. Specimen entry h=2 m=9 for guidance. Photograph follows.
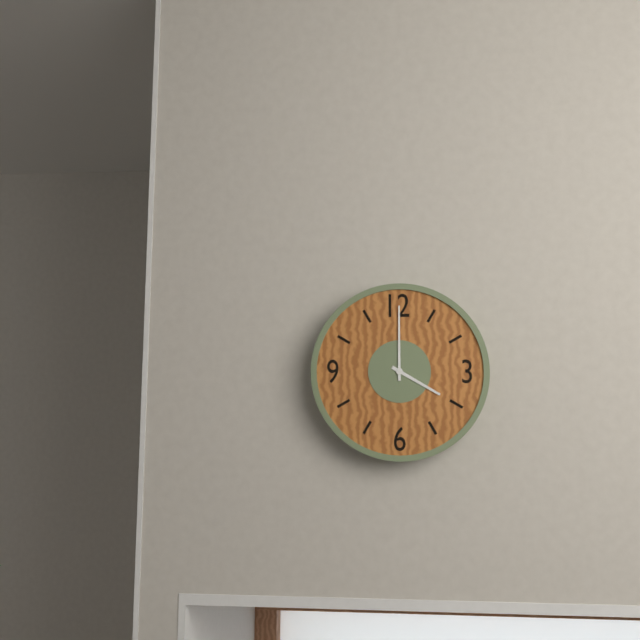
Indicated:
h=4 m=0
